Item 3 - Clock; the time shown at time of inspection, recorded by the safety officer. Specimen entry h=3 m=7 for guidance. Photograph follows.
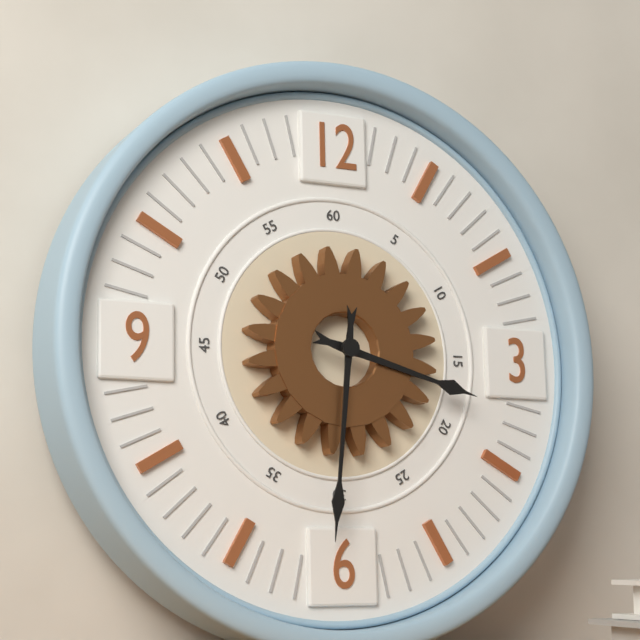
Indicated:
h=3 m=31
